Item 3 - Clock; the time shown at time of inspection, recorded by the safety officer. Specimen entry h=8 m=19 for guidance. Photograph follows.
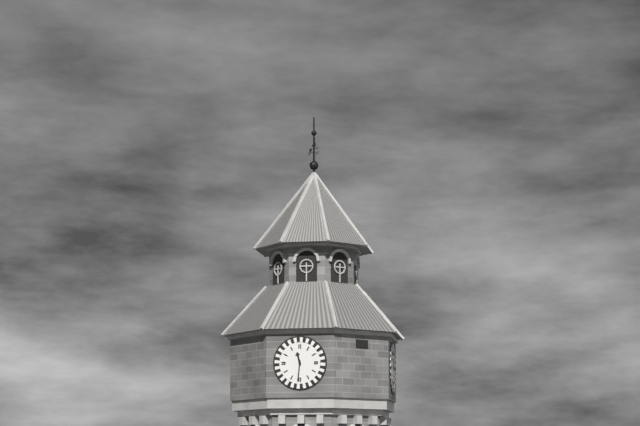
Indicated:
h=11 m=31
